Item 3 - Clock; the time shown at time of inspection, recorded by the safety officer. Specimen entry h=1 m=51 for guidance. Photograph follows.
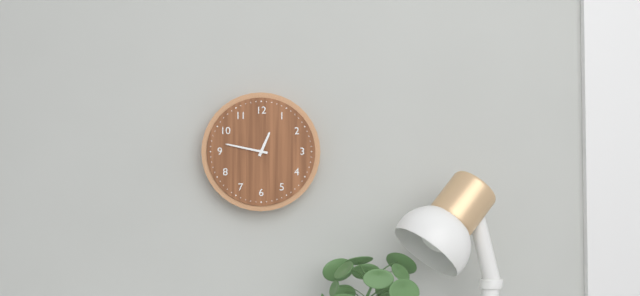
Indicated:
h=12 m=47
